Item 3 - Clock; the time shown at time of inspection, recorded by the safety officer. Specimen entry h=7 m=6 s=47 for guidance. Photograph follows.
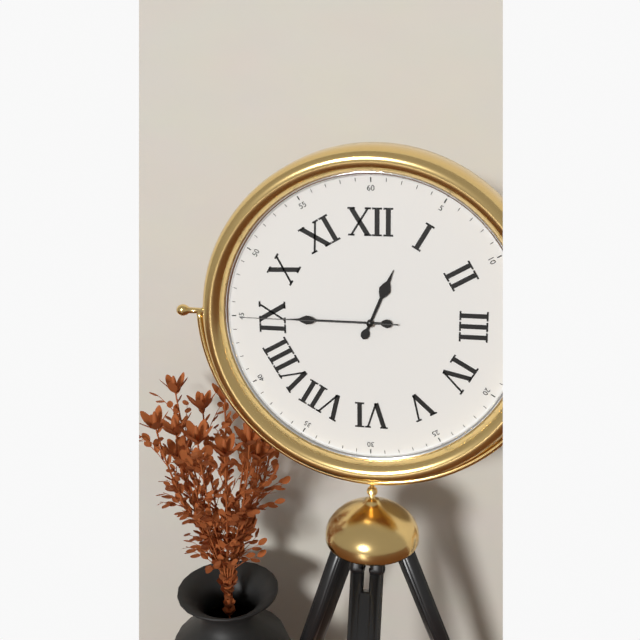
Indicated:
h=12 m=45 s=45
